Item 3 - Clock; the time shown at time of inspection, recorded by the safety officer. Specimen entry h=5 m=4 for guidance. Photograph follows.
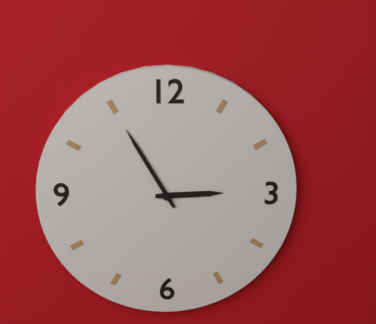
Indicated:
h=2 m=55
